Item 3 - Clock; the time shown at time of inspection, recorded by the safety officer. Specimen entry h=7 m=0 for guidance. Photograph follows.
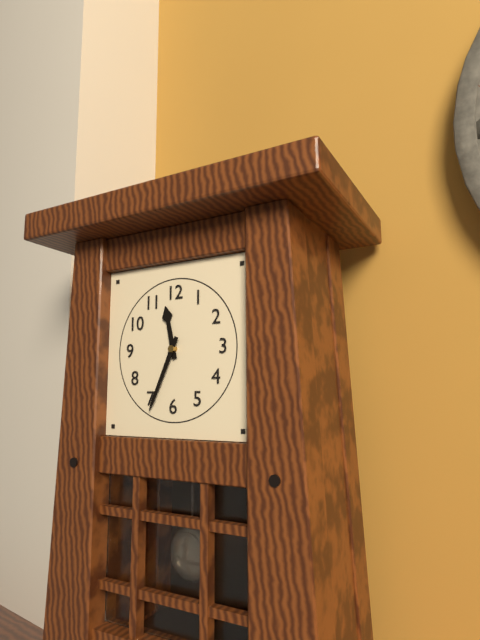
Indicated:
h=11 m=34
